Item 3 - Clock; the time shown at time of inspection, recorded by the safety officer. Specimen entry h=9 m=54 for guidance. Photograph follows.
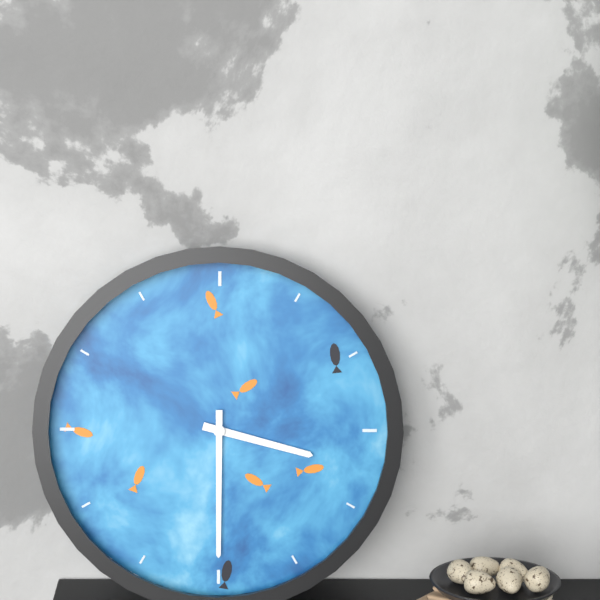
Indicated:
h=3 m=30
